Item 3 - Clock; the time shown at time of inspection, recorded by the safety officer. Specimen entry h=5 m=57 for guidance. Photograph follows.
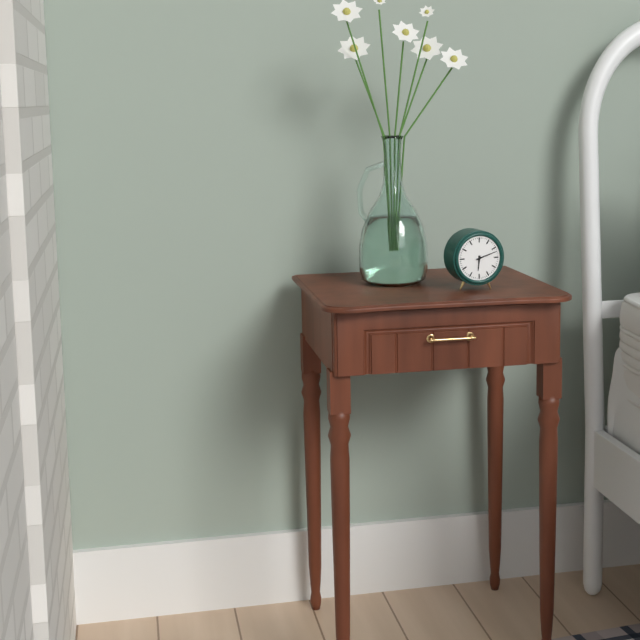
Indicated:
h=6 m=12
